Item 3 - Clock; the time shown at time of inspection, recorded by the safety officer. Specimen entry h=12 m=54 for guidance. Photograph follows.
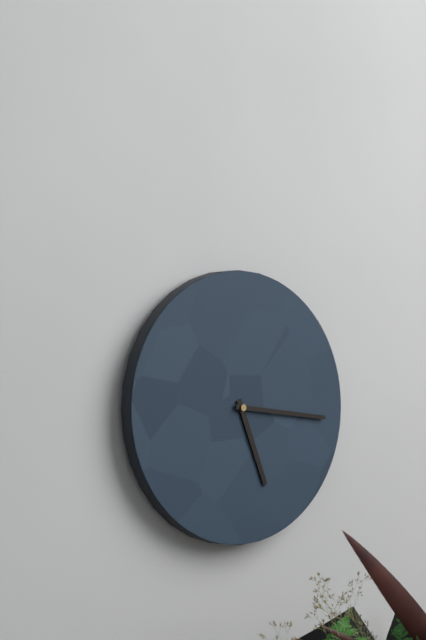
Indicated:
h=5 m=16
